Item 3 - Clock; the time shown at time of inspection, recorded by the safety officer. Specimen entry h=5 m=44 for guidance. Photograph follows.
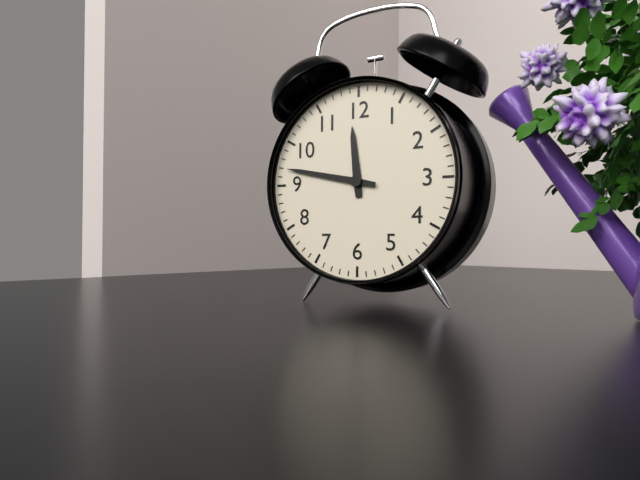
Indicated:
h=11 m=47
